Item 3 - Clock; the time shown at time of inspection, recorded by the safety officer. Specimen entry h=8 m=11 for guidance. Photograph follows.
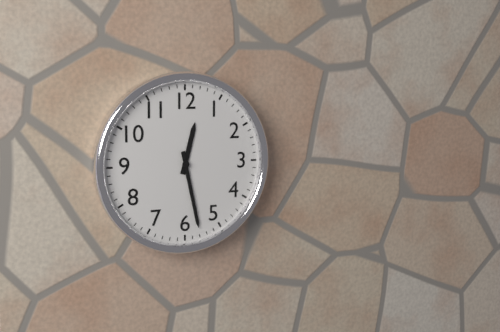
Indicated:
h=12 m=28
